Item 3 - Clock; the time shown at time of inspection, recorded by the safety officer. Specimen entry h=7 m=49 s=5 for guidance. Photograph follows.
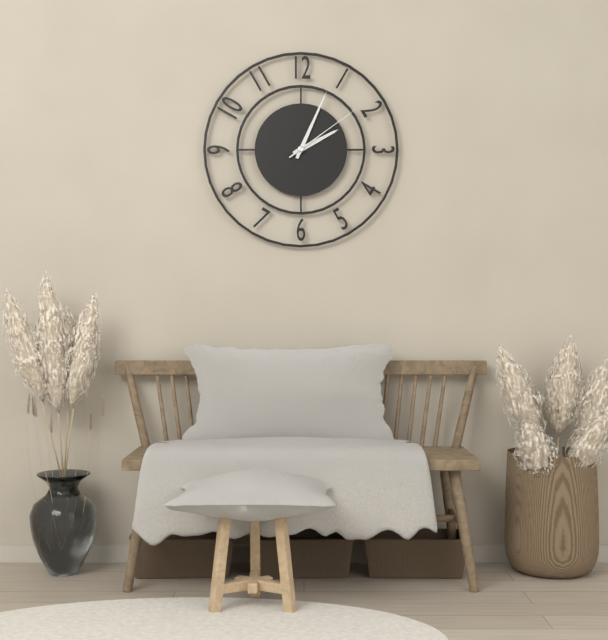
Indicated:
h=2 m=4 s=9
